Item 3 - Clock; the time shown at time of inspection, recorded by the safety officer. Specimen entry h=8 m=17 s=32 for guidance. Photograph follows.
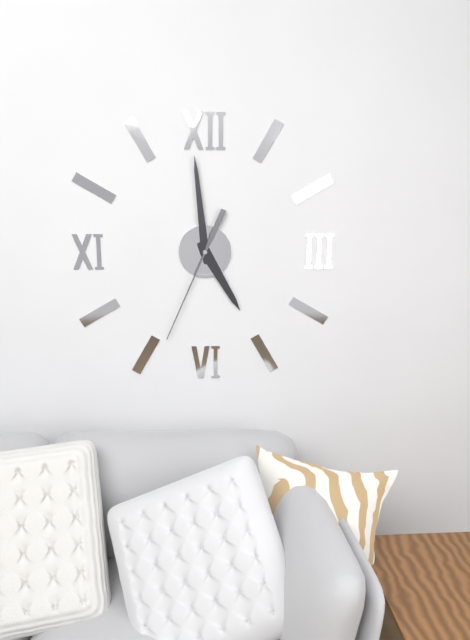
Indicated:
h=4 m=59 s=34
